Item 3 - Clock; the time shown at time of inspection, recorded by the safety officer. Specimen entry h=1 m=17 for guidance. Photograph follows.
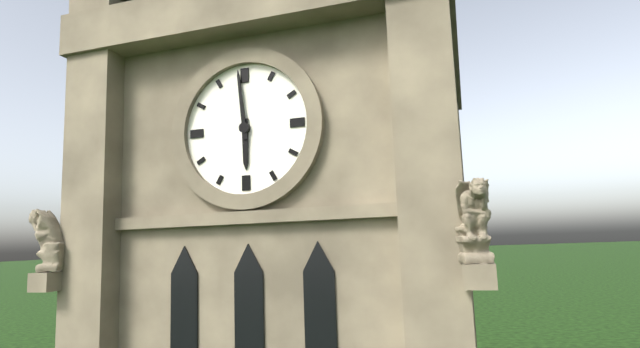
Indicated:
h=5 m=59
